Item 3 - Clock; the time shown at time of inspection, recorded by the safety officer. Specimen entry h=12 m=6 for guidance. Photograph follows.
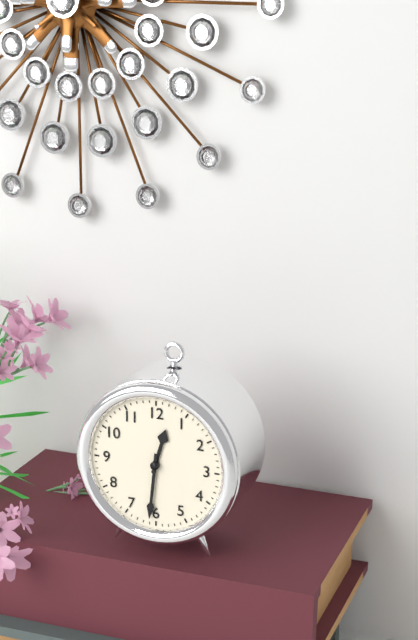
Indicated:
h=12 m=31
